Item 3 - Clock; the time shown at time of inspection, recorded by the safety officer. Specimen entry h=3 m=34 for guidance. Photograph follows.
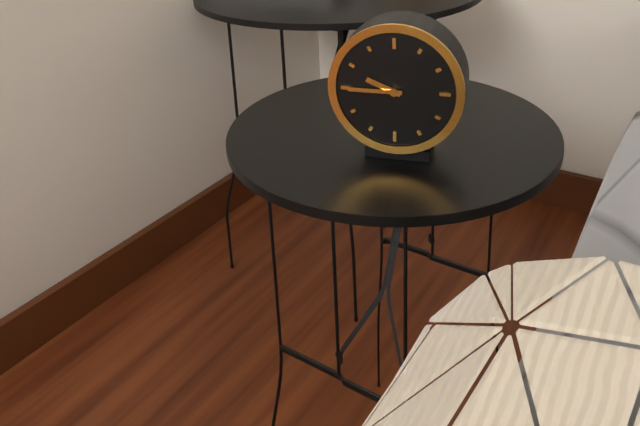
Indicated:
h=9 m=45
